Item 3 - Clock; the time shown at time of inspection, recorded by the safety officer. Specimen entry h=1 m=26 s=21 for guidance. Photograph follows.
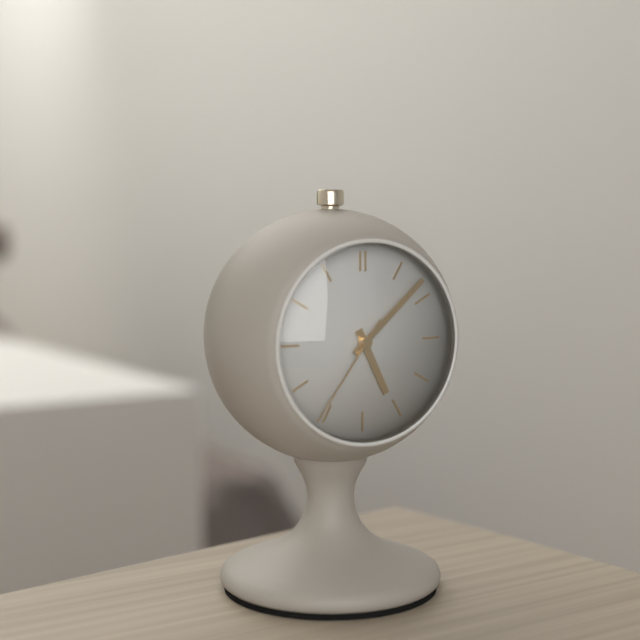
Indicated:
h=5 m=8 s=36
